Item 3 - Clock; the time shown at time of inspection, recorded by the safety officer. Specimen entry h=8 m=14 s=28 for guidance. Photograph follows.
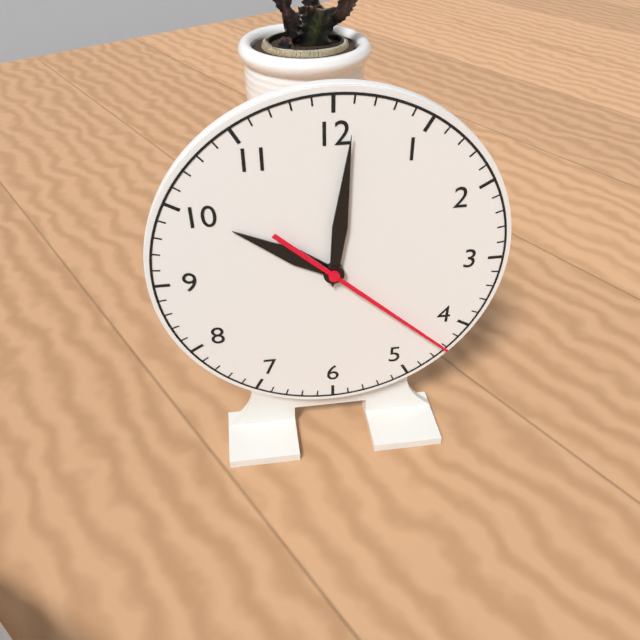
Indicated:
h=10 m=1 s=22
